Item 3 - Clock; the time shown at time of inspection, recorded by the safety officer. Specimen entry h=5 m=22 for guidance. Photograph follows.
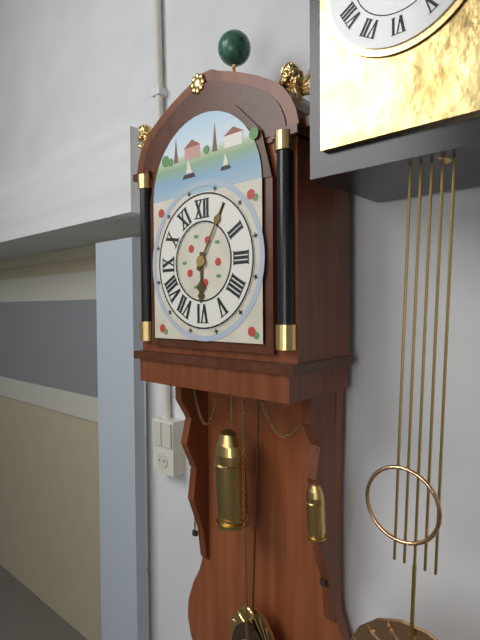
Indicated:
h=6 m=5
